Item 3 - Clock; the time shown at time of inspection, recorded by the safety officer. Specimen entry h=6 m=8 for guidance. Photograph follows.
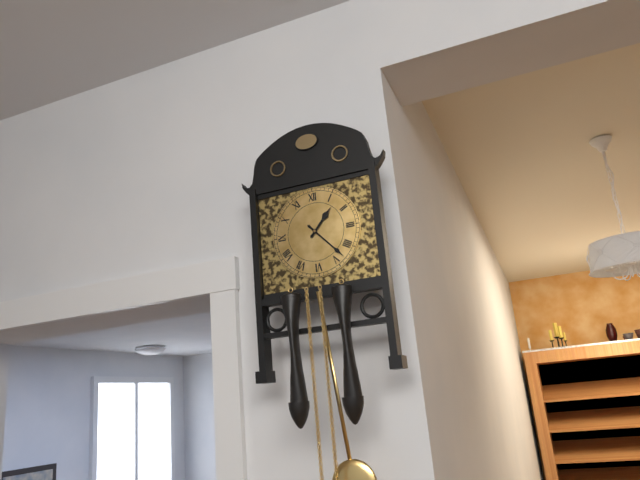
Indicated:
h=1 m=23
